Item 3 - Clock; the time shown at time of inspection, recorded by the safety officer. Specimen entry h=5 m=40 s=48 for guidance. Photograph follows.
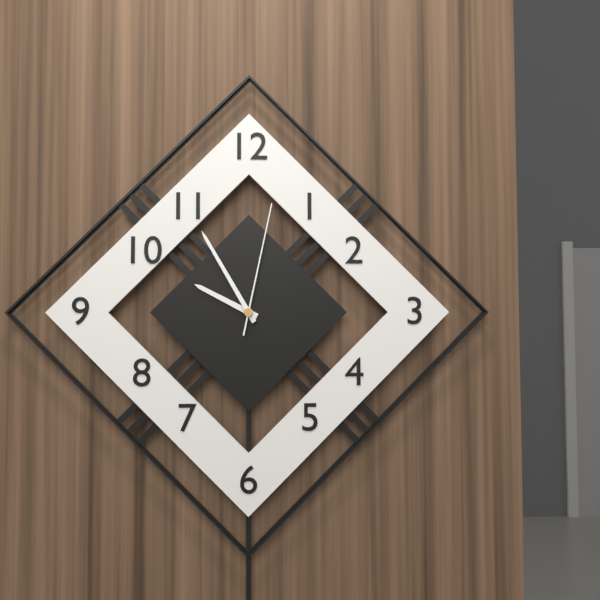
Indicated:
h=9 m=55 s=2
